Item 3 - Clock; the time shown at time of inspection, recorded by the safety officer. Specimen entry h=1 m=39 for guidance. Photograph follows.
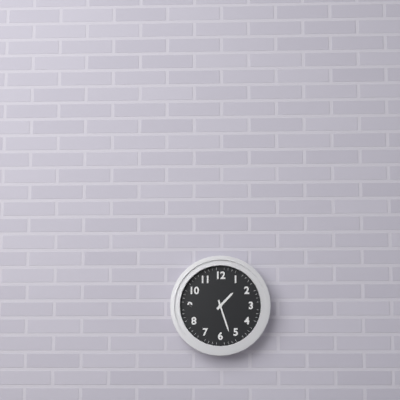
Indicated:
h=1 m=27
